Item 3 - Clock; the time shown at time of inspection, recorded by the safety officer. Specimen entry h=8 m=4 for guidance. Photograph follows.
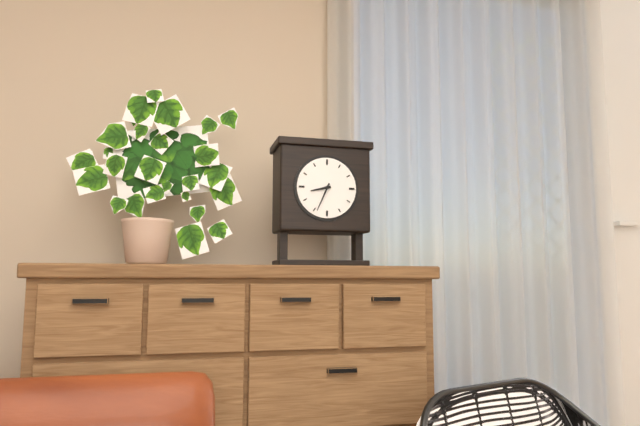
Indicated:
h=8 m=34
